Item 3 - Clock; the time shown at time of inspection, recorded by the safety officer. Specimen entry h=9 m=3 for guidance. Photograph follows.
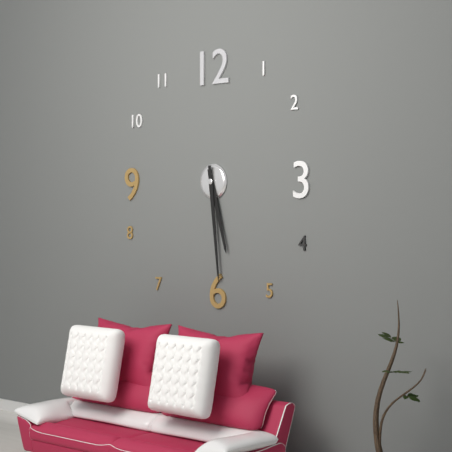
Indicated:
h=5 m=29
